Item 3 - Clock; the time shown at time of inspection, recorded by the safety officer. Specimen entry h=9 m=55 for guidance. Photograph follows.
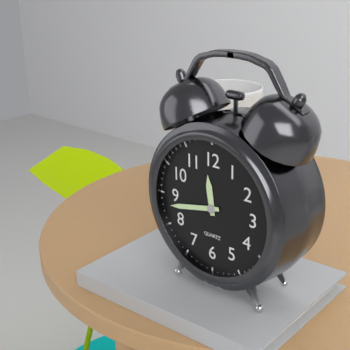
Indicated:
h=11 m=43
